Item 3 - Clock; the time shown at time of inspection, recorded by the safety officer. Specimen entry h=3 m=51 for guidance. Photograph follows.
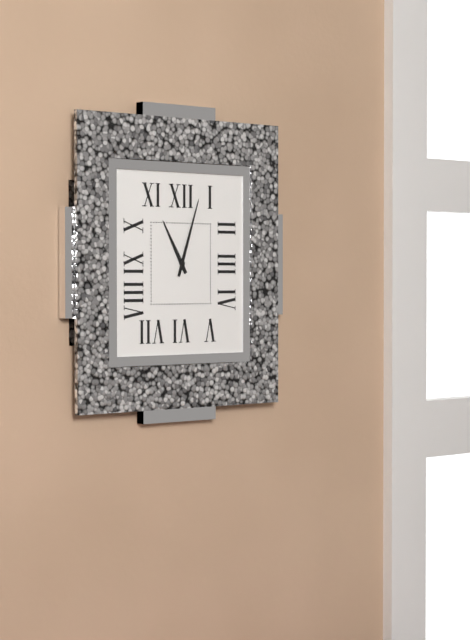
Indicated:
h=11 m=3
